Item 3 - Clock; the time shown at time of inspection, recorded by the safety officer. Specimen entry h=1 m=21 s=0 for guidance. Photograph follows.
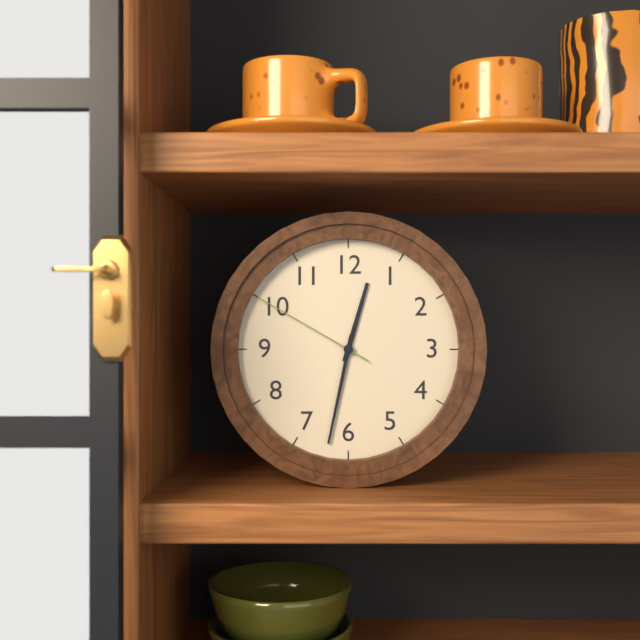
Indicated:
h=12 m=32 s=50
